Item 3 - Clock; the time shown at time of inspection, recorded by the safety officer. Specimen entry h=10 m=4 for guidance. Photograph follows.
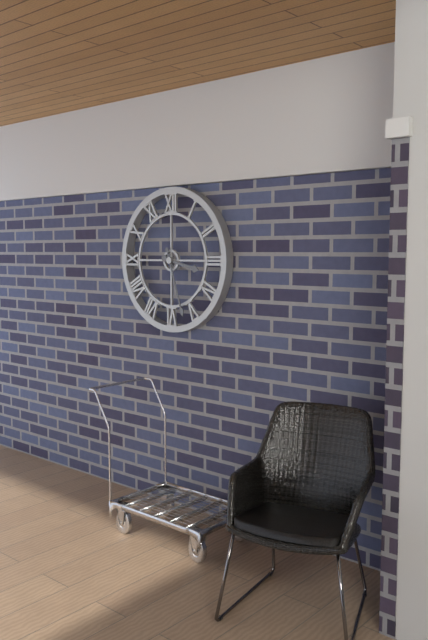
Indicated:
h=3 m=27
